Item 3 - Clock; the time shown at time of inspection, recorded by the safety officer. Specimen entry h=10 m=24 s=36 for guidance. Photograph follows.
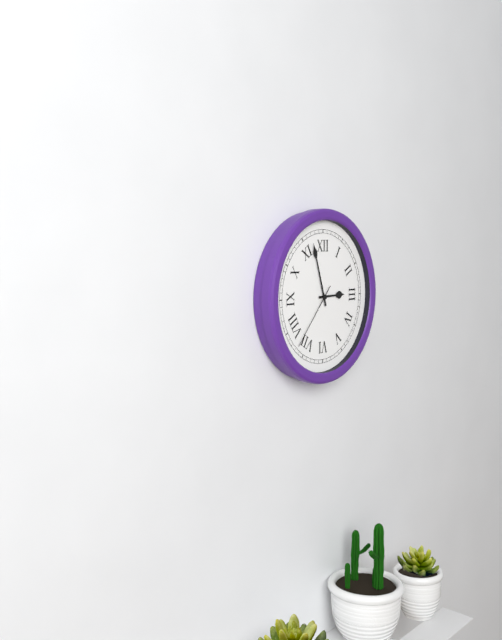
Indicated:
h=2 m=57 s=37
